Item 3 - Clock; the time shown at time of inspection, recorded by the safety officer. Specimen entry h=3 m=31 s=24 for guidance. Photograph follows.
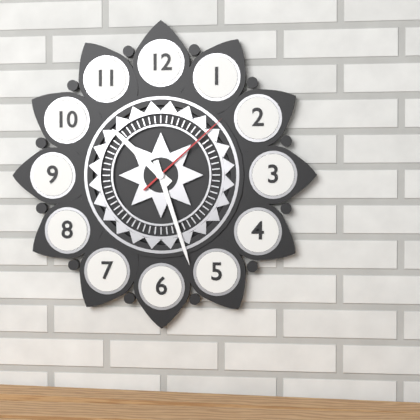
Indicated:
h=10 m=27 s=8
